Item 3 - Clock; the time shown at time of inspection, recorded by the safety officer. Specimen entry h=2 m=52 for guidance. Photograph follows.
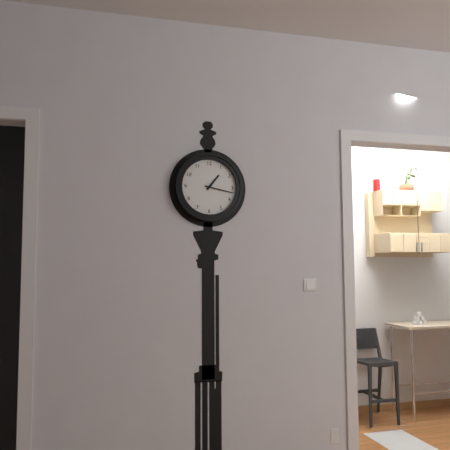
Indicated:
h=1 m=17
